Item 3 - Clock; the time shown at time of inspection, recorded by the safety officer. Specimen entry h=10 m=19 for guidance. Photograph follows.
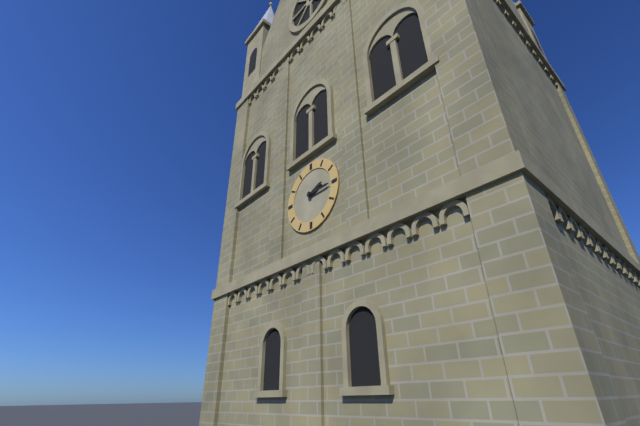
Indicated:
h=2 m=15
